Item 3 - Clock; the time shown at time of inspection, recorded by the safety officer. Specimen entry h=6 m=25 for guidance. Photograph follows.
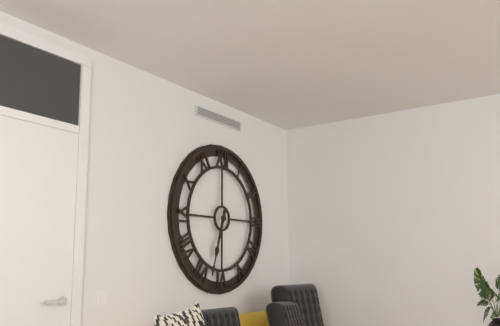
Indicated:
h=6 m=33
